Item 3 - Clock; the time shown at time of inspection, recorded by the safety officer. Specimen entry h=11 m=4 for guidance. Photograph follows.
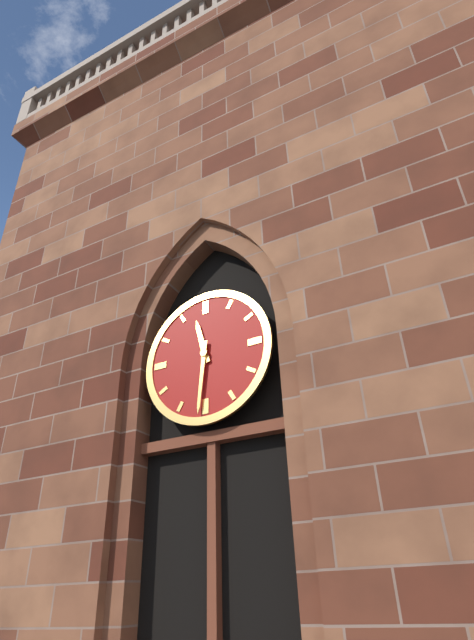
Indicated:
h=11 m=31
